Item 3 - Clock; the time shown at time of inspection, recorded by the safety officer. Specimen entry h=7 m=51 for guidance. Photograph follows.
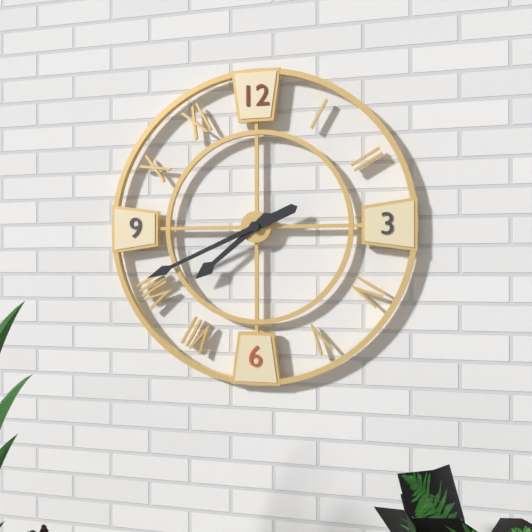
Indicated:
h=7 m=41
